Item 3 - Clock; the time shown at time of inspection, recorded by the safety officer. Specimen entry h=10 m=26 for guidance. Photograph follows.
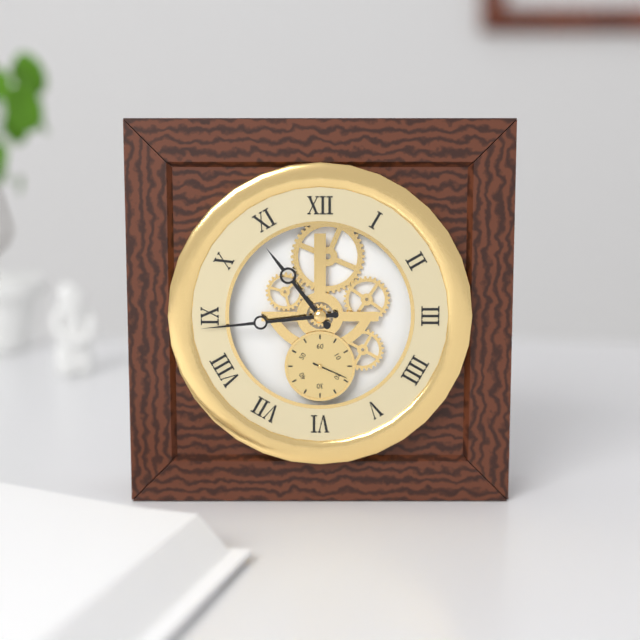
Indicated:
h=10 m=44
